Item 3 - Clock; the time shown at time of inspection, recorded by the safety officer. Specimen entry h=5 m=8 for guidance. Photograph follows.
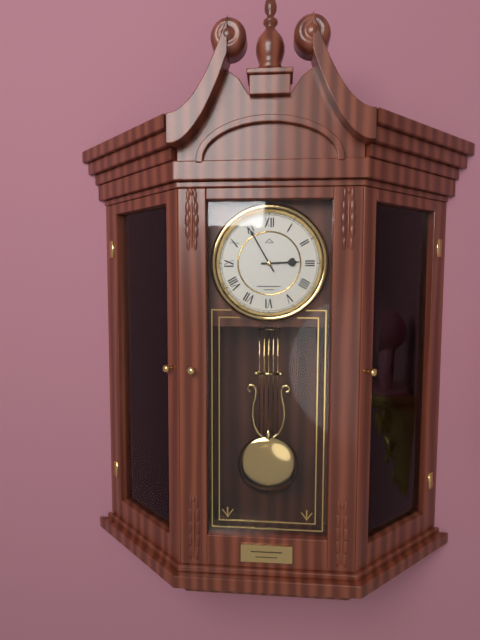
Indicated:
h=2 m=55
